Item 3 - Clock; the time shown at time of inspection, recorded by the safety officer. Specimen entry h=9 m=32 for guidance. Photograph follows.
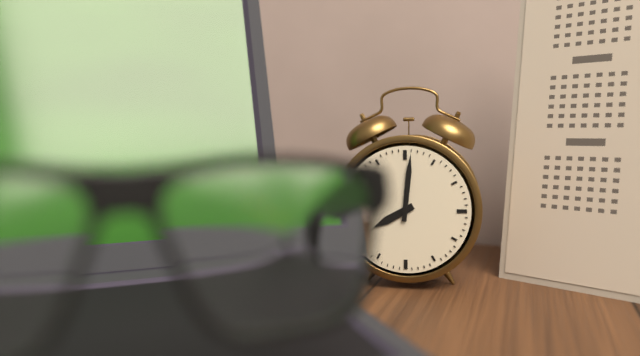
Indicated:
h=8 m=1
